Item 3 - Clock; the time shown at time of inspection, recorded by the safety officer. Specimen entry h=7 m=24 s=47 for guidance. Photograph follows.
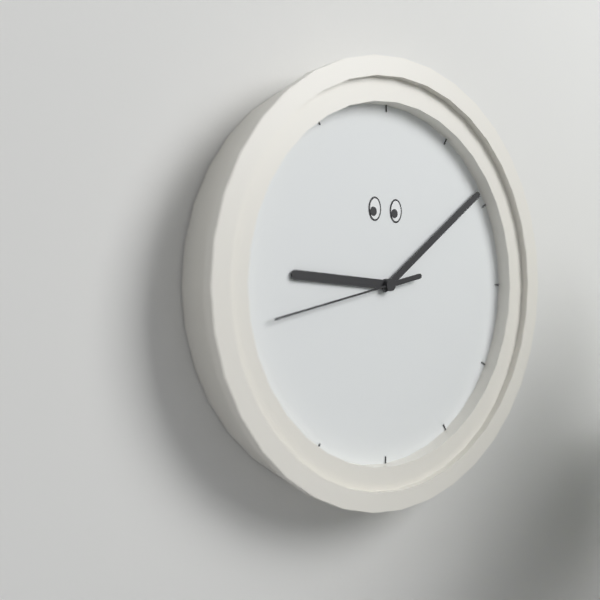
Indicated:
h=9 m=9 s=43
